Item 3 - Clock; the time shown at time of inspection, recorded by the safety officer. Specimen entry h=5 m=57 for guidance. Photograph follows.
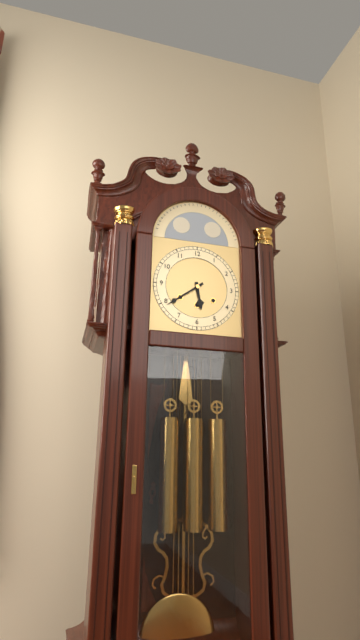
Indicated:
h=5 m=39
